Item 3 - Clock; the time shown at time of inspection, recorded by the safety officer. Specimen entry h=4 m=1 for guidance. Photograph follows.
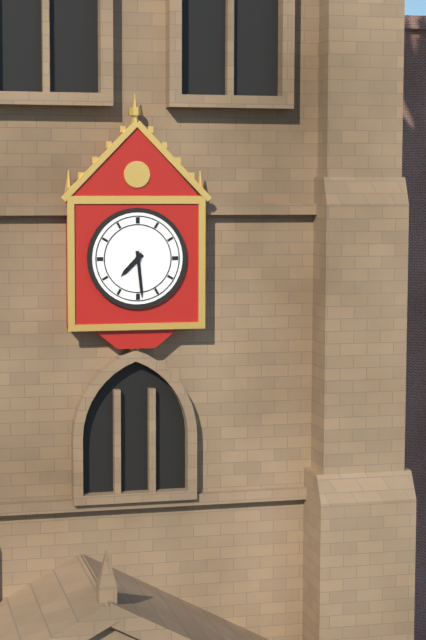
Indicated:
h=7 m=29
